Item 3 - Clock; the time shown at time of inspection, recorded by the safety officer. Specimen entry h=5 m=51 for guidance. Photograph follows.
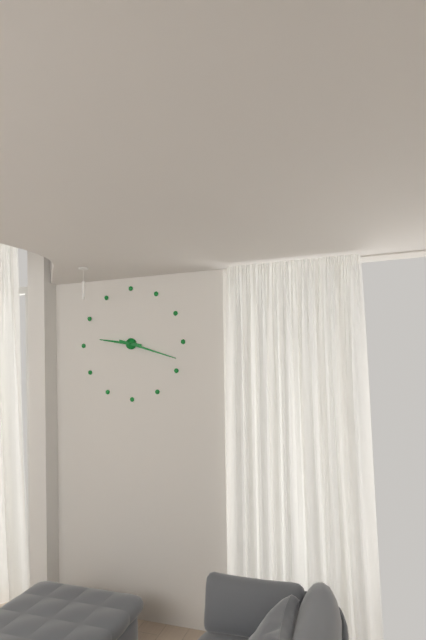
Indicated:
h=9 m=18
